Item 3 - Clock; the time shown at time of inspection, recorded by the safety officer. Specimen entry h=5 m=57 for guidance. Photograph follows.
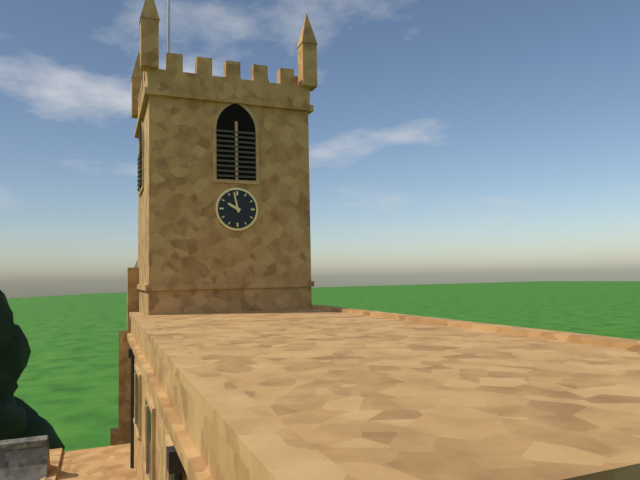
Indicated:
h=9 m=58
